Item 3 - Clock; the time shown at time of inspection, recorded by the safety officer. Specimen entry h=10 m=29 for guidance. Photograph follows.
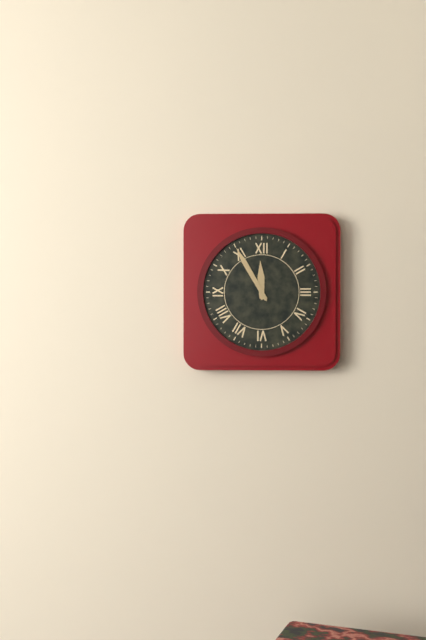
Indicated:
h=11 m=55
